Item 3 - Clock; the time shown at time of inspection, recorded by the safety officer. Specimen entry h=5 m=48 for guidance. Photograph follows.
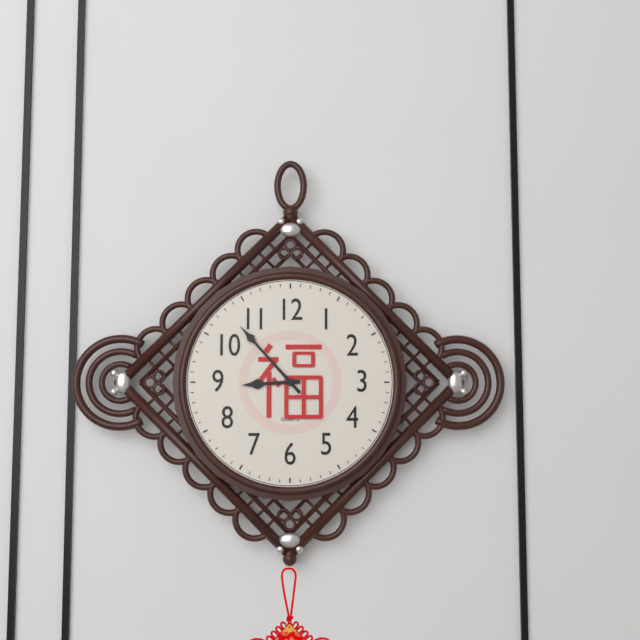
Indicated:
h=8 m=53
